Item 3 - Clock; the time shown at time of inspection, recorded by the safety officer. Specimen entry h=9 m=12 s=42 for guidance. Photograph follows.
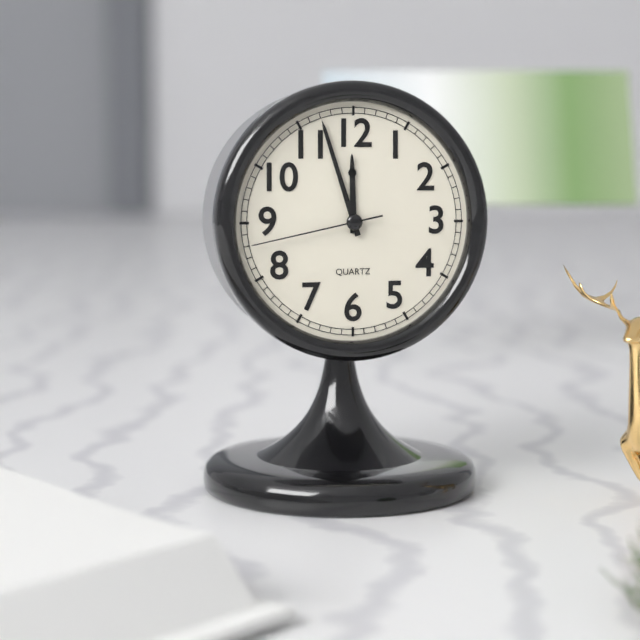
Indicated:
h=11 m=57 s=43
